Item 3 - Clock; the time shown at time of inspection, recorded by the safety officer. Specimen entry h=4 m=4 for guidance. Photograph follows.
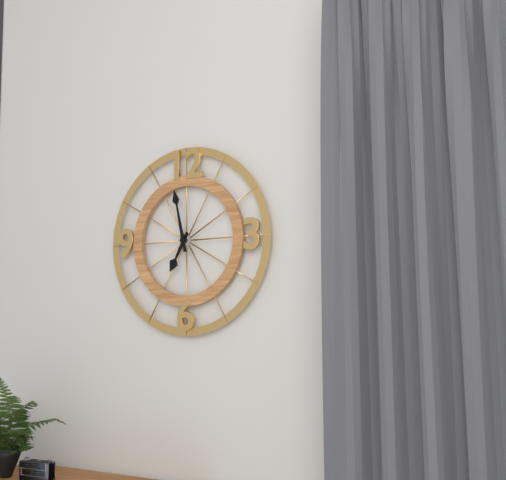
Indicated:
h=6 m=58
